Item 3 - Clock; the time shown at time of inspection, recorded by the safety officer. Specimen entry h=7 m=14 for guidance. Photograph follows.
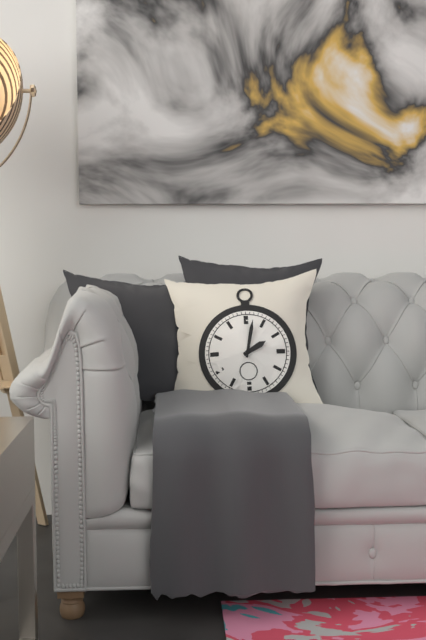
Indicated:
h=2 m=2
